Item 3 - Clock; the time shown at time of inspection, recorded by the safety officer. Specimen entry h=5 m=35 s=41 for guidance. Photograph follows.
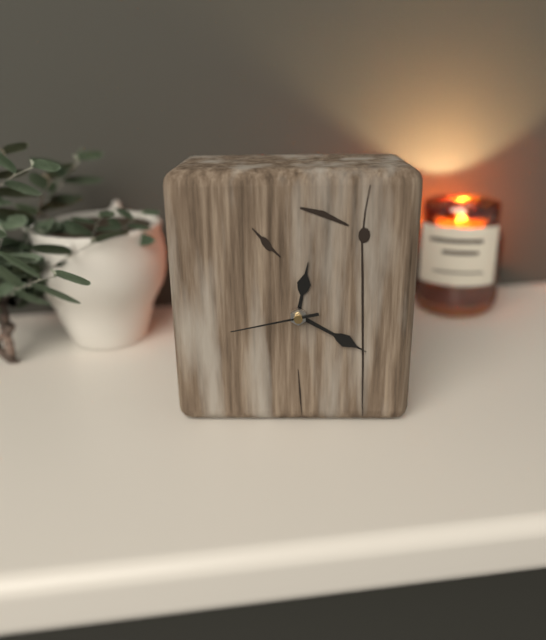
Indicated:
h=12 m=20 s=43
